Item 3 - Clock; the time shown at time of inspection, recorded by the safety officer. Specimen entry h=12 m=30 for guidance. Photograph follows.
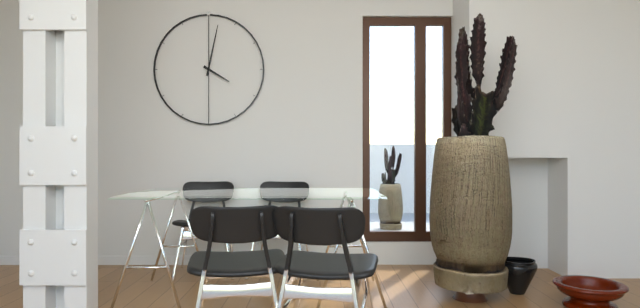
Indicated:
h=4 m=2
